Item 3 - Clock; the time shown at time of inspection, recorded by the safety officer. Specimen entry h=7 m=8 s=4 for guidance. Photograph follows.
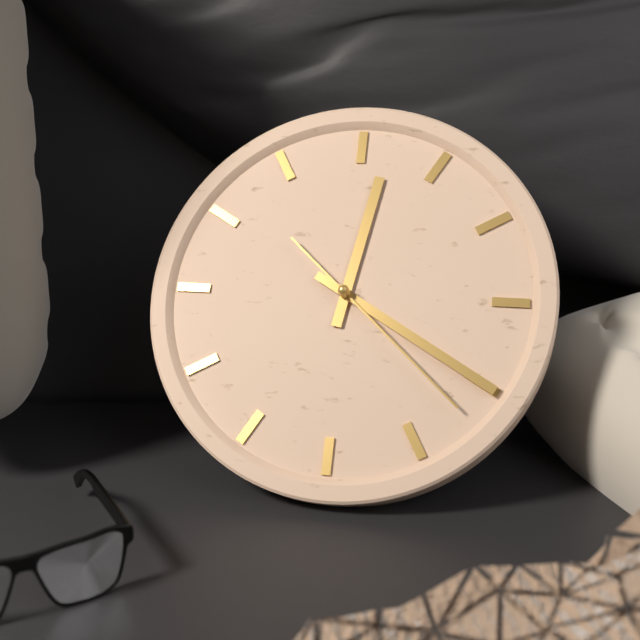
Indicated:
h=12 m=20 s=22
